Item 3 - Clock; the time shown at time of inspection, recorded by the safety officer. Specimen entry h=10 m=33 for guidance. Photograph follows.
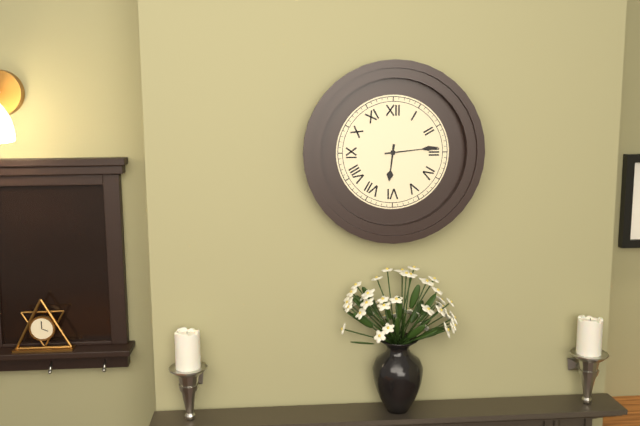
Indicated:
h=6 m=14
